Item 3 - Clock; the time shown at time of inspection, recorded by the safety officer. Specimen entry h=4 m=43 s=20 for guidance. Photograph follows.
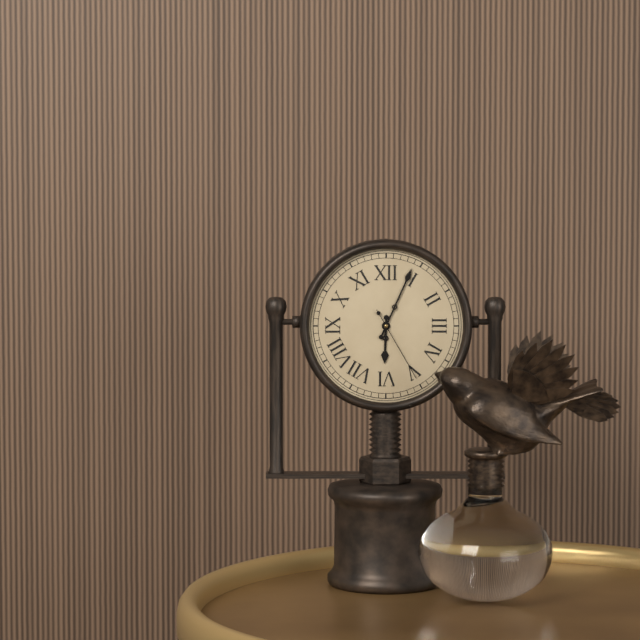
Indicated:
h=6 m=4 s=25
